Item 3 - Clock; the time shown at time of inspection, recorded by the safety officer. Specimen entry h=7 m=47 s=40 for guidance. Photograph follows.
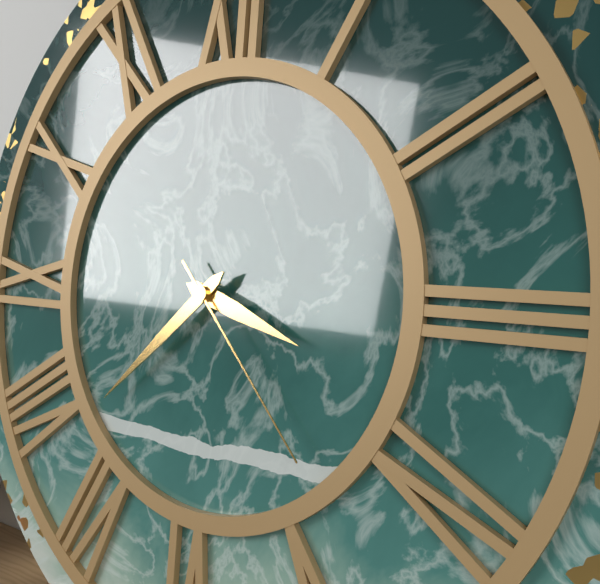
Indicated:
h=3 m=38 s=23
